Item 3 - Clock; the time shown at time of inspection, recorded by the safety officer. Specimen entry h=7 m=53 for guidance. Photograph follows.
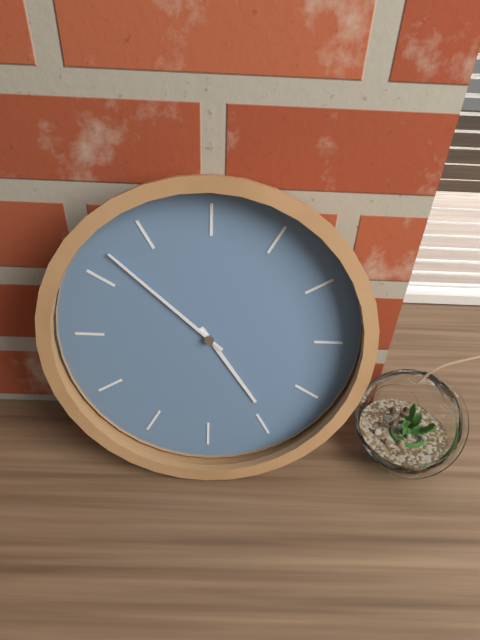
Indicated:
h=4 m=52
